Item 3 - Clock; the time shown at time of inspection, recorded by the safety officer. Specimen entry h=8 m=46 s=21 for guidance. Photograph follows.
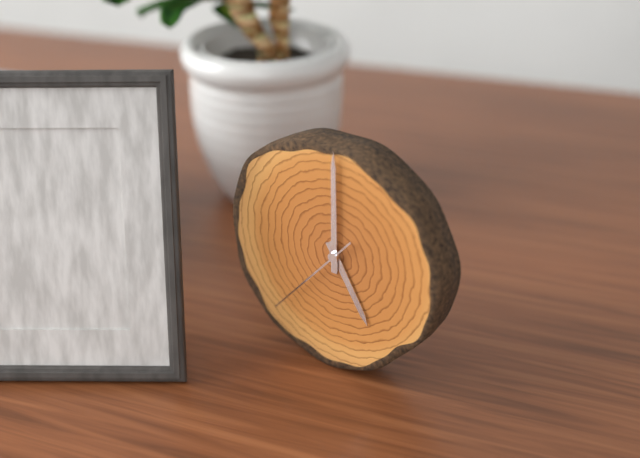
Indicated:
h=5 m=0 s=37
